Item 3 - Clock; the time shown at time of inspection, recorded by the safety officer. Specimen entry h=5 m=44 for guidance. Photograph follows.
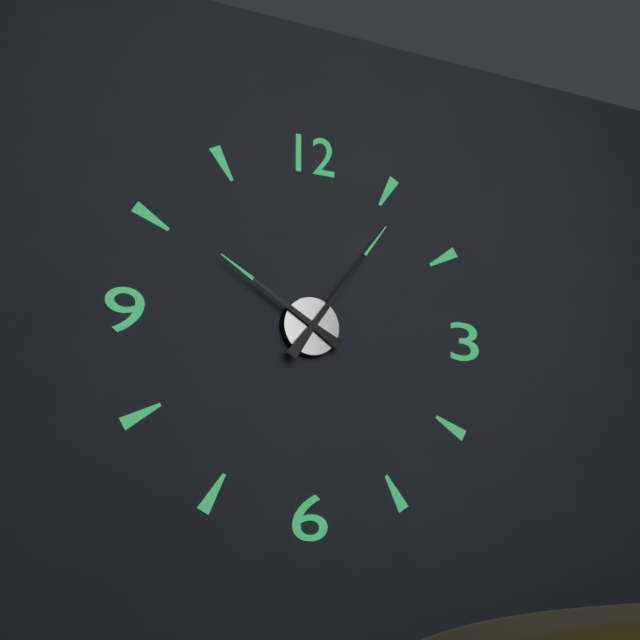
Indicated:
h=10 m=6
